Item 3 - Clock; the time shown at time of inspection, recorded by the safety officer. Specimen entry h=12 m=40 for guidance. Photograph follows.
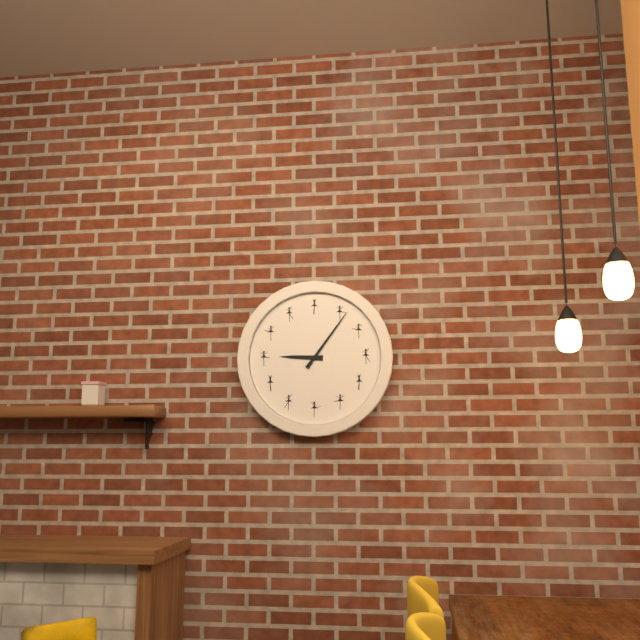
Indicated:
h=9 m=6
